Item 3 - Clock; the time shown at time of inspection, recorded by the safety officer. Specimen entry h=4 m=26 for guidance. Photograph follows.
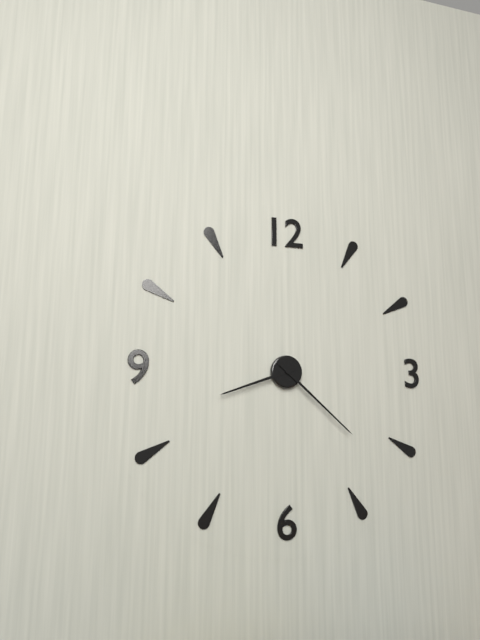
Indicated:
h=8 m=22
